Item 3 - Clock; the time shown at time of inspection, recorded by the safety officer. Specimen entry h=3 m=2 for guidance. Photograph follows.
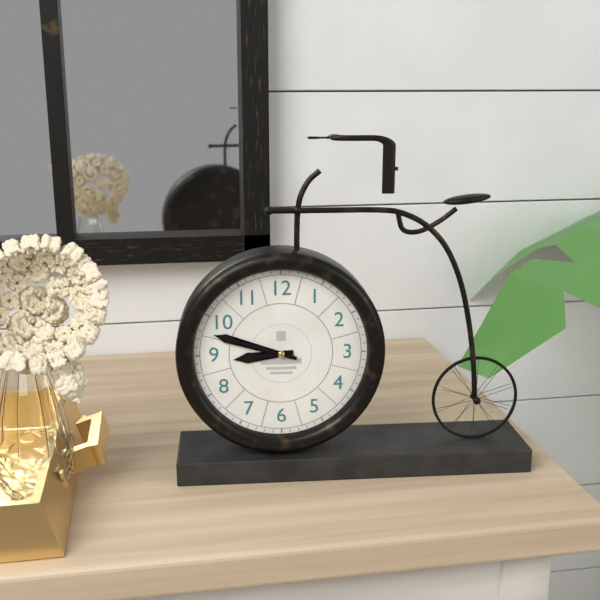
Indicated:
h=8 m=48
